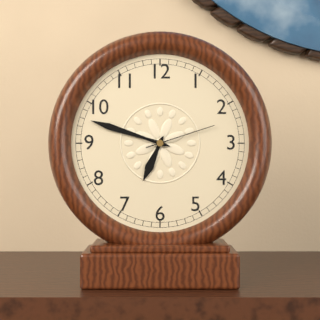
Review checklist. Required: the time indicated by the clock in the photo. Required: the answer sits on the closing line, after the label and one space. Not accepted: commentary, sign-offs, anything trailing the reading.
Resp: 6:48:12
